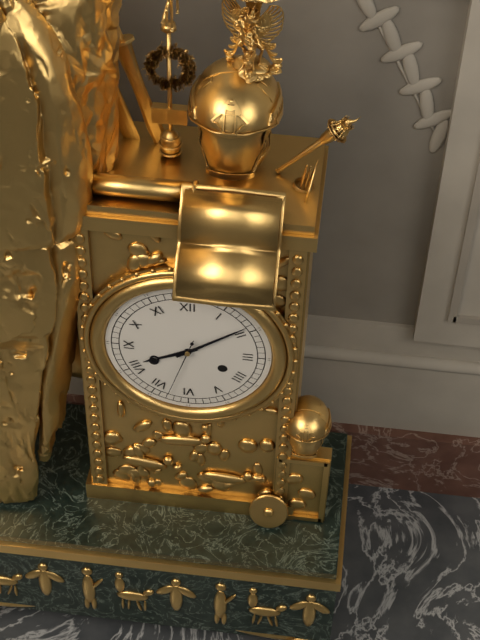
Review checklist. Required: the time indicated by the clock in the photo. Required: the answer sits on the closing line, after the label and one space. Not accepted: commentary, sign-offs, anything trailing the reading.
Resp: 8:09:33
